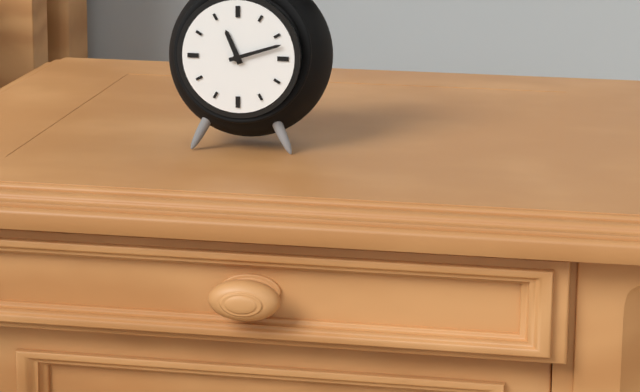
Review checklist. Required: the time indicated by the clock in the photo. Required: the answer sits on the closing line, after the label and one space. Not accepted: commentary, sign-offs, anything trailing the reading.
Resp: 11:12
